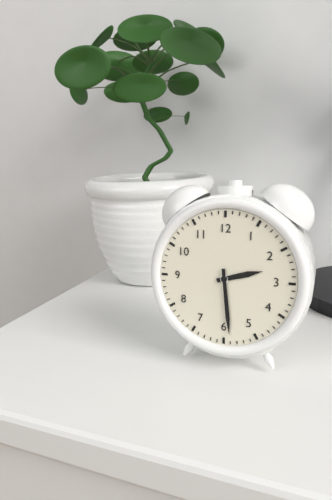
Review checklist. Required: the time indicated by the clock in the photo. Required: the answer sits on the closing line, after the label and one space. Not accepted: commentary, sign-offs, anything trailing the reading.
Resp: 2:29
